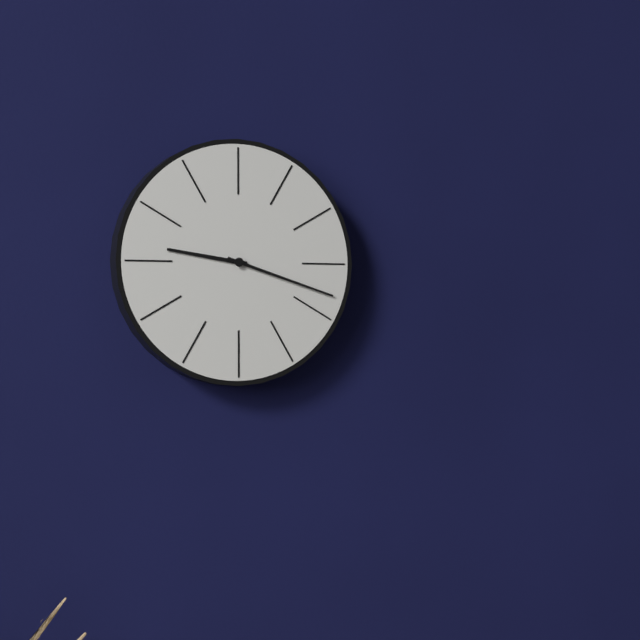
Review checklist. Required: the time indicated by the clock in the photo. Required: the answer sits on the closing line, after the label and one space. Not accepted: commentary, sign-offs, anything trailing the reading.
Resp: 9:18
